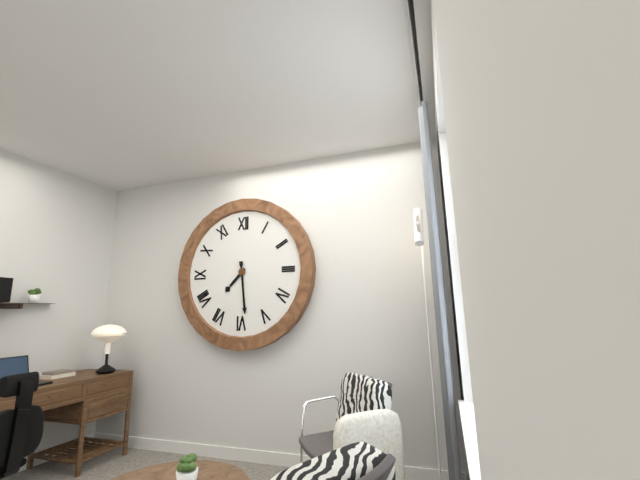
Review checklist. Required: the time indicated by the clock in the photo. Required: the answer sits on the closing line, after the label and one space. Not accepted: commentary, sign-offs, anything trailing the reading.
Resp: 7:29
